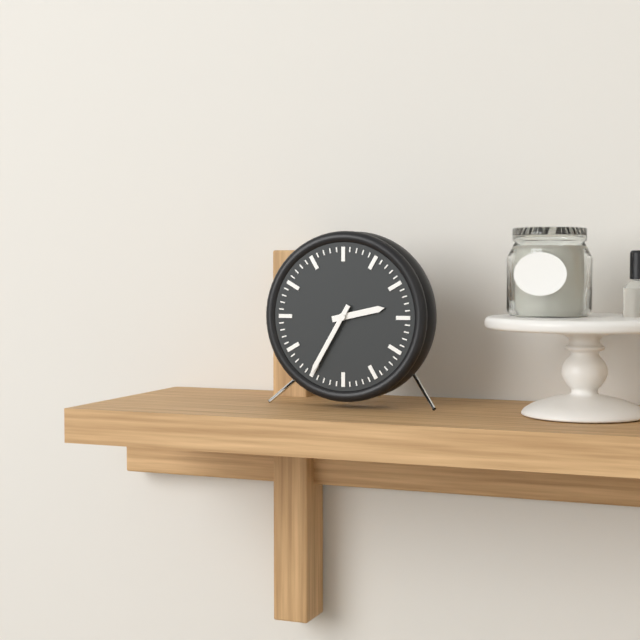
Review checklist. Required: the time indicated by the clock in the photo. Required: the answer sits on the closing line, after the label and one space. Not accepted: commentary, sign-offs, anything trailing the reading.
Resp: 2:35
